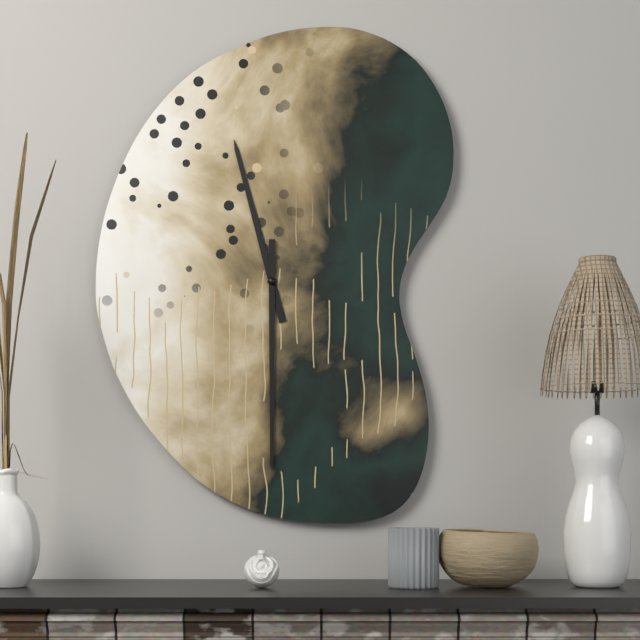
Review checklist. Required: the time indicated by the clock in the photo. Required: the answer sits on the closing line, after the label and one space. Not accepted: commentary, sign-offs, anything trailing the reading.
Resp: 11:30
